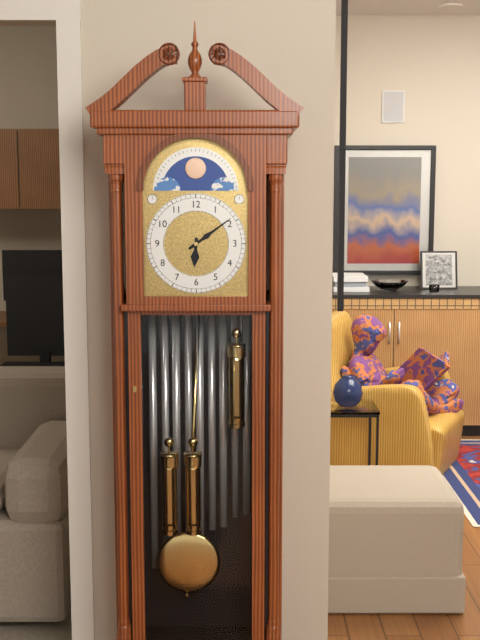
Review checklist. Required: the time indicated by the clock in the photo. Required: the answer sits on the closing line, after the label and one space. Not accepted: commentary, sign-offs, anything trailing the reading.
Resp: 6:09
